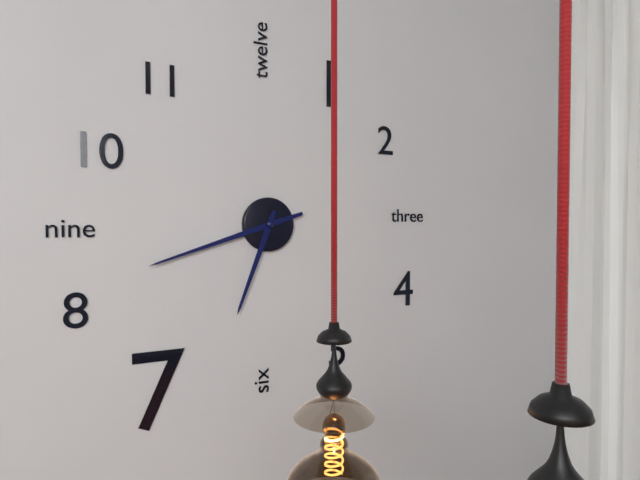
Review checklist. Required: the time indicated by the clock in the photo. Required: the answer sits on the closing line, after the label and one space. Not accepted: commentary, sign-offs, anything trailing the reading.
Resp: 6:42
